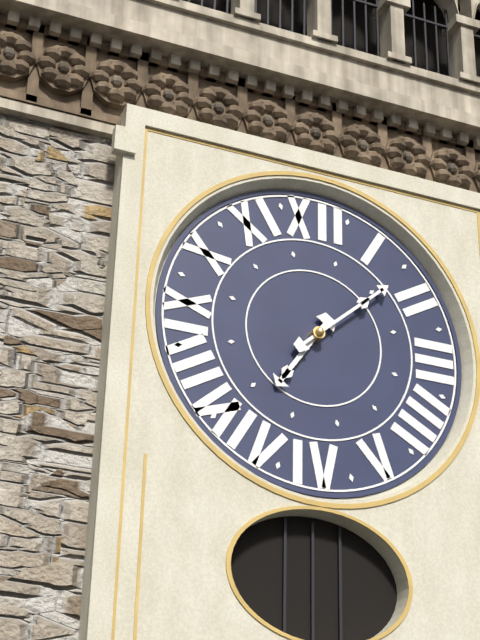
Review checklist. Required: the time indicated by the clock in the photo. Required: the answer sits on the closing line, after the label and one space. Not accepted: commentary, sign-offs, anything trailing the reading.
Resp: 7:08
